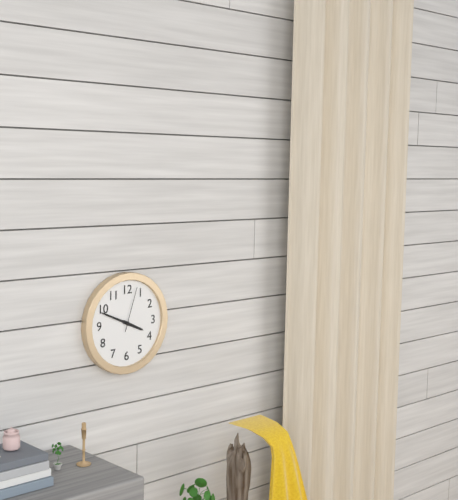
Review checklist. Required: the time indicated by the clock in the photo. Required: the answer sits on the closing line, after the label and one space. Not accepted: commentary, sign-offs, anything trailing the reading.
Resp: 3:49
